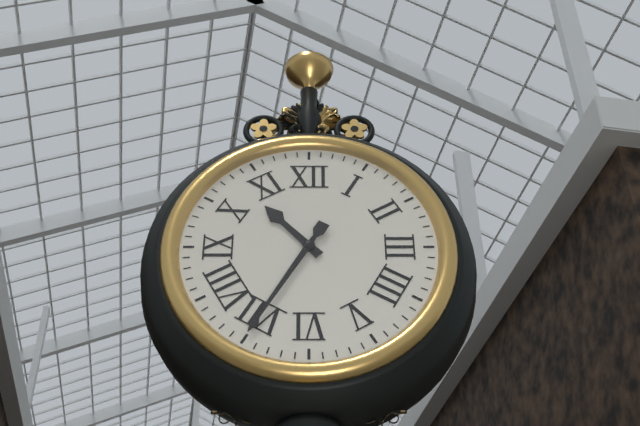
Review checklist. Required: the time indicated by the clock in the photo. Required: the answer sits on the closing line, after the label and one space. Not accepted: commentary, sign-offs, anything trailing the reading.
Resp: 10:35
